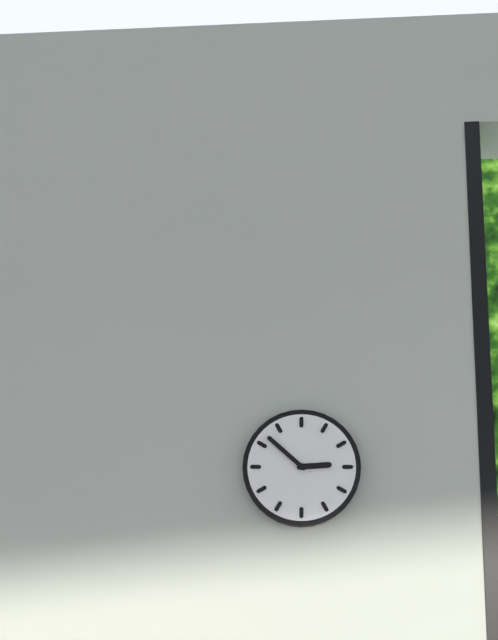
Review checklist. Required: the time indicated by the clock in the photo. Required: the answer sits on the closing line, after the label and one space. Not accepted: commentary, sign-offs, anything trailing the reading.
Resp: 2:52
